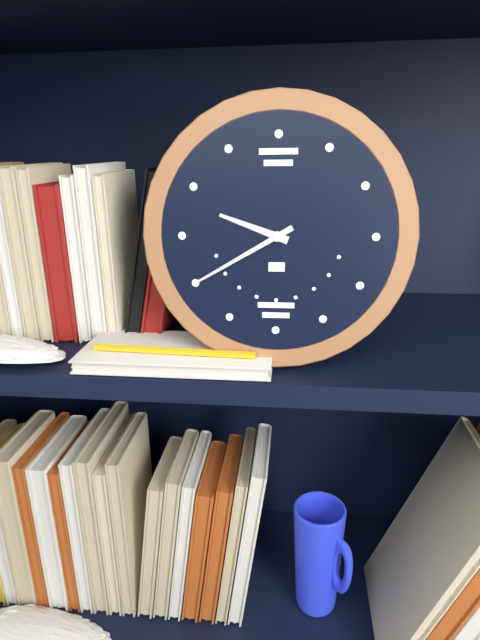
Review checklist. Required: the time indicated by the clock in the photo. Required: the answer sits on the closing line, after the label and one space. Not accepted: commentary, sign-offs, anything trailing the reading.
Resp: 9:40
